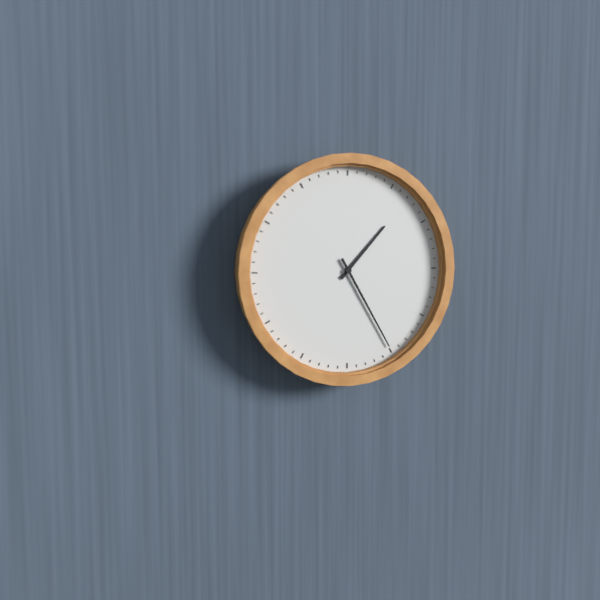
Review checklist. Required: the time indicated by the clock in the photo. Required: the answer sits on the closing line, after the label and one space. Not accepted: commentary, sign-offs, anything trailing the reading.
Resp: 1:25
